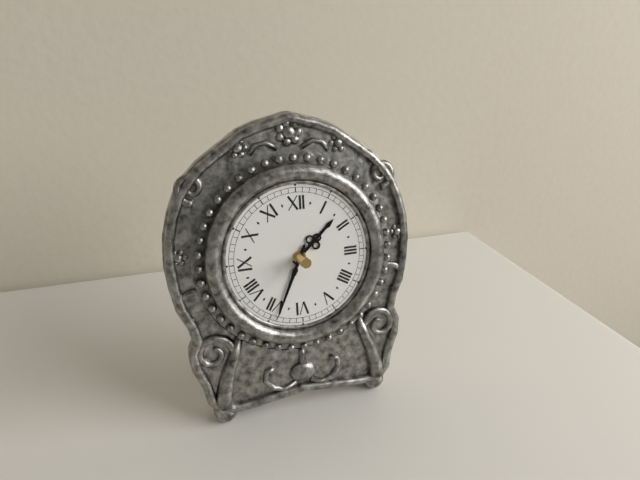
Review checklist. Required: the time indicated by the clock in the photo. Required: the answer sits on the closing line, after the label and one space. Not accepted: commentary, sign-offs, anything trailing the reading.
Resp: 1:34
